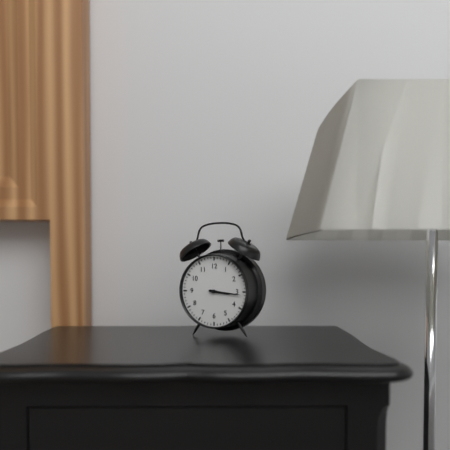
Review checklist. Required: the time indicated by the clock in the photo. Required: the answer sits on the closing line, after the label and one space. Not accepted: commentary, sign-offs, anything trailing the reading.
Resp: 3:16
